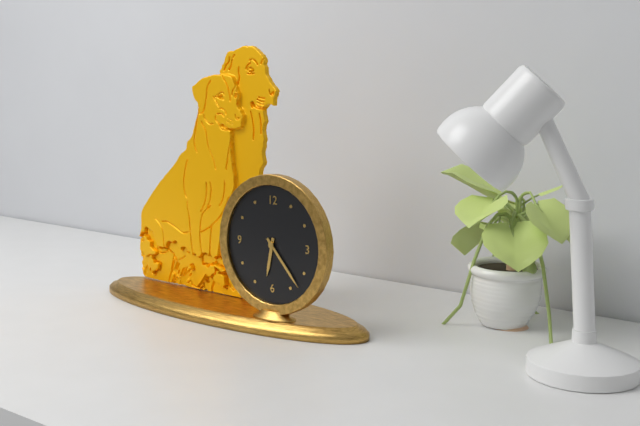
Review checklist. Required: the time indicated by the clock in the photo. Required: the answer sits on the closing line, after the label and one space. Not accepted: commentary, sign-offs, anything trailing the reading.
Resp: 6:23
